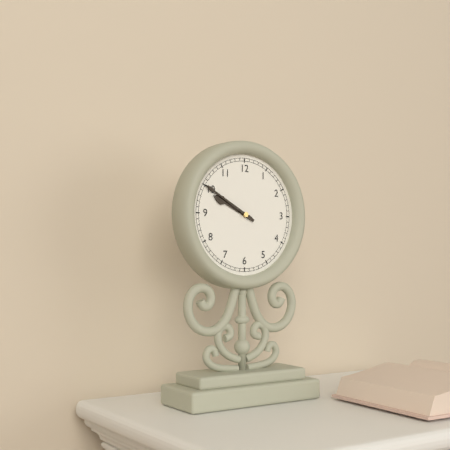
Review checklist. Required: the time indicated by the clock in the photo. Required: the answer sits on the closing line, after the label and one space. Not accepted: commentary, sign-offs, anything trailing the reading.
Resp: 9:50
